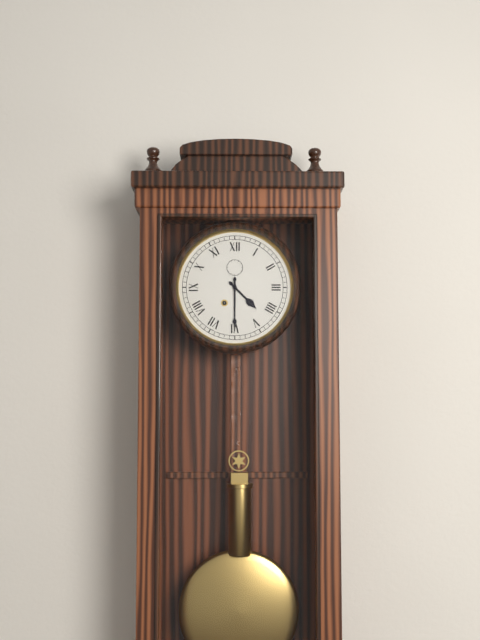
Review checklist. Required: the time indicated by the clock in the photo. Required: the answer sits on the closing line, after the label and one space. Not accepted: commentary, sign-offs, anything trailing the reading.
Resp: 4:30
